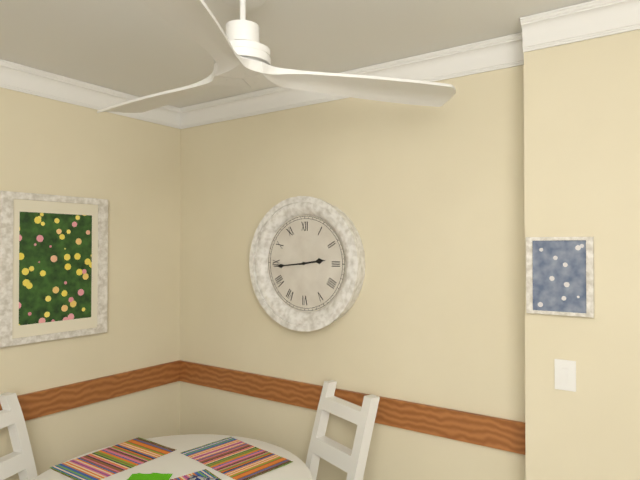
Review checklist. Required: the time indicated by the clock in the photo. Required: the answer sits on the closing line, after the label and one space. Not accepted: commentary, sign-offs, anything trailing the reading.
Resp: 2:44
